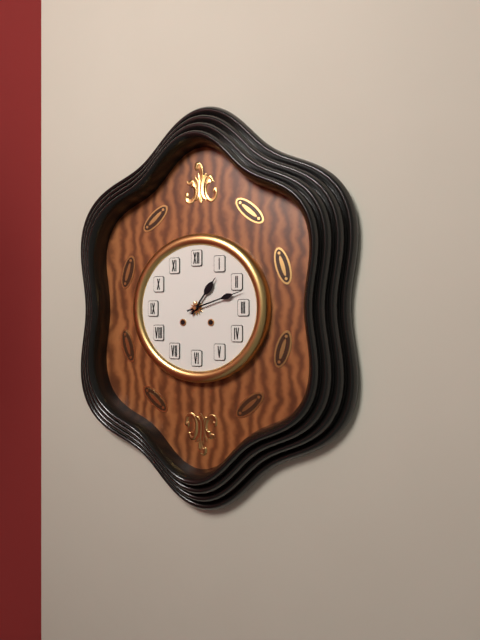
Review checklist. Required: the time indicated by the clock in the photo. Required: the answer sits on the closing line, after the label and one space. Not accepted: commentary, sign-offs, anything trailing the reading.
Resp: 1:12
